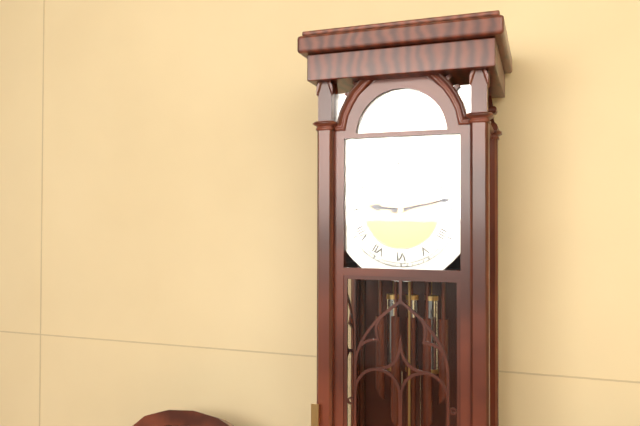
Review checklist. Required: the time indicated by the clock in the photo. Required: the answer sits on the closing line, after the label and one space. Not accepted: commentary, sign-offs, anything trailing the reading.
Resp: 9:13
